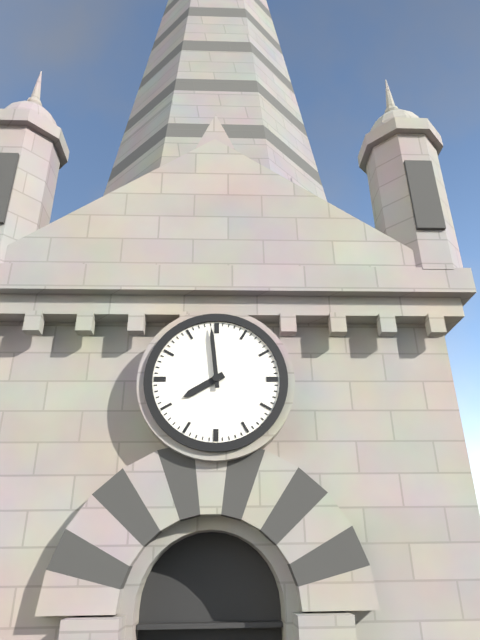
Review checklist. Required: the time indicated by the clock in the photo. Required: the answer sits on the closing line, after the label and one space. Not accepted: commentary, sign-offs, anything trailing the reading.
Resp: 7:59
